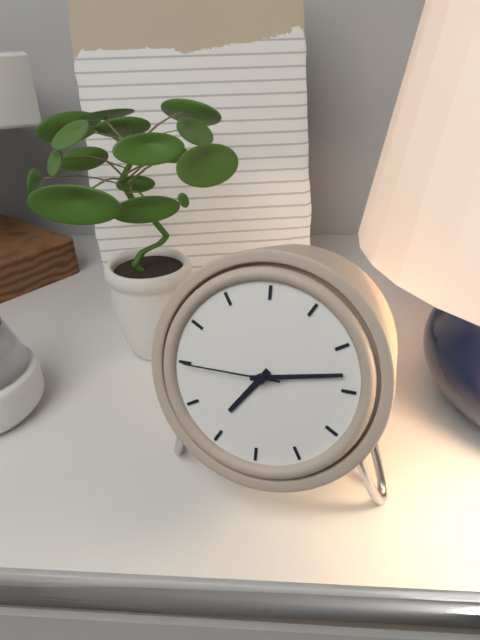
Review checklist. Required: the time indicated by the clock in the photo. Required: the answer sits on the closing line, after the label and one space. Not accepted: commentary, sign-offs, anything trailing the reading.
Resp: 7:13:45
